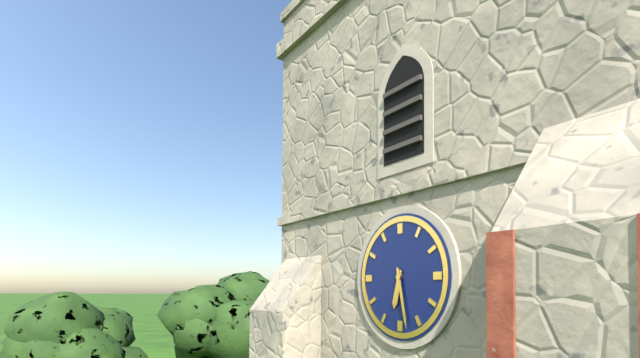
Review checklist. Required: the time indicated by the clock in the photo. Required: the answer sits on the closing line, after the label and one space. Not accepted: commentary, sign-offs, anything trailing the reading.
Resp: 6:28
